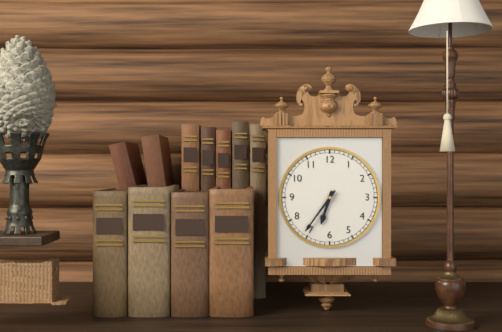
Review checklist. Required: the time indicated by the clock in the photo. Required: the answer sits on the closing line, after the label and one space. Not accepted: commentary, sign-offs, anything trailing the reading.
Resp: 6:36
